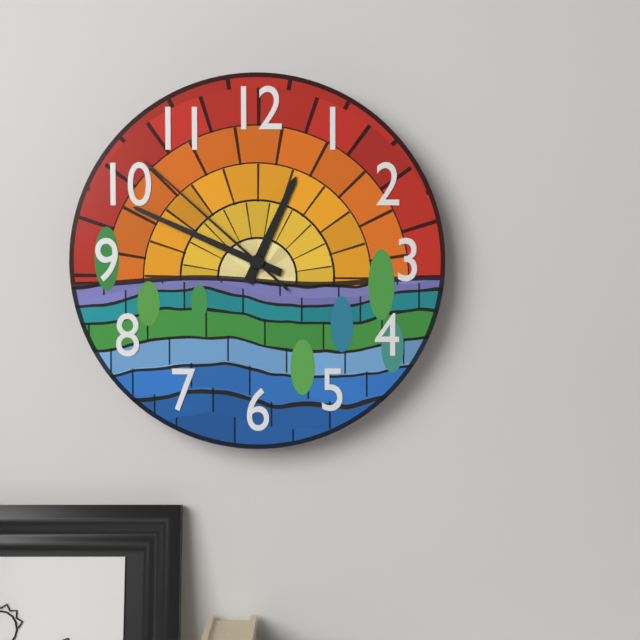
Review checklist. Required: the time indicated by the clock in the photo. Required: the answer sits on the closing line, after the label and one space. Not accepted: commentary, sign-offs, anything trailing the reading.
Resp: 12:49:52
